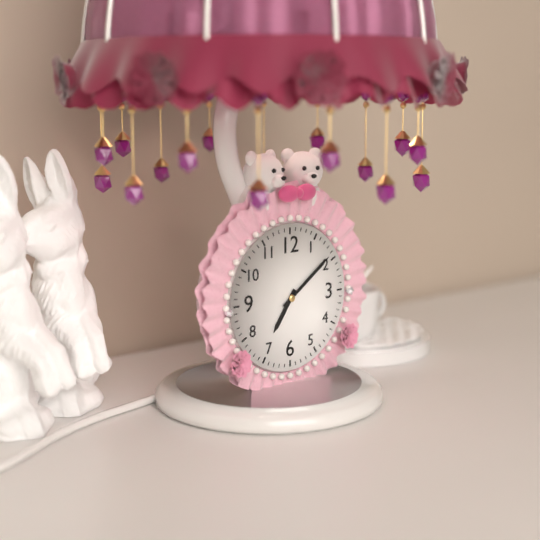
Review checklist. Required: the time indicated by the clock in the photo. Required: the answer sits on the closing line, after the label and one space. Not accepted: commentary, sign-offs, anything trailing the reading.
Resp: 7:09
